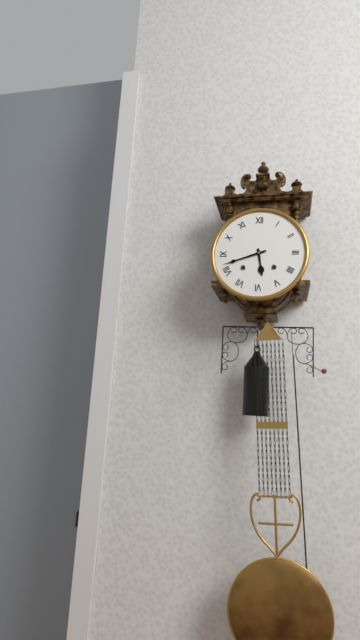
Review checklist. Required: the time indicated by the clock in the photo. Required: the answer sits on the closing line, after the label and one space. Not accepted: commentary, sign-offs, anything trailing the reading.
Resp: 5:42
